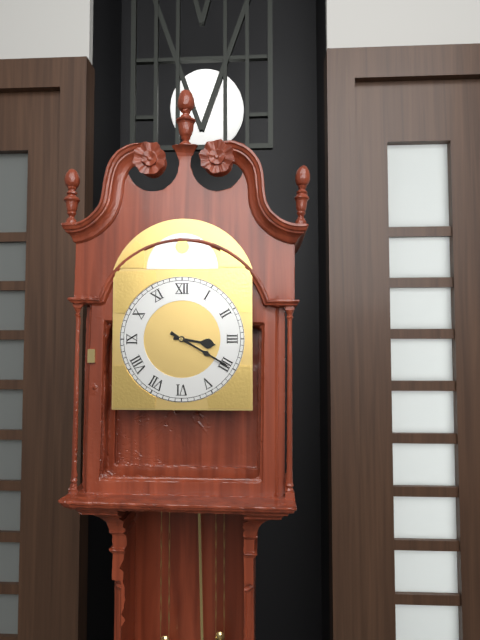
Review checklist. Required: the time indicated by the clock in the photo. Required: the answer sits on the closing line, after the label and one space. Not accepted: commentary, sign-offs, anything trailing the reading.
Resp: 3:20
